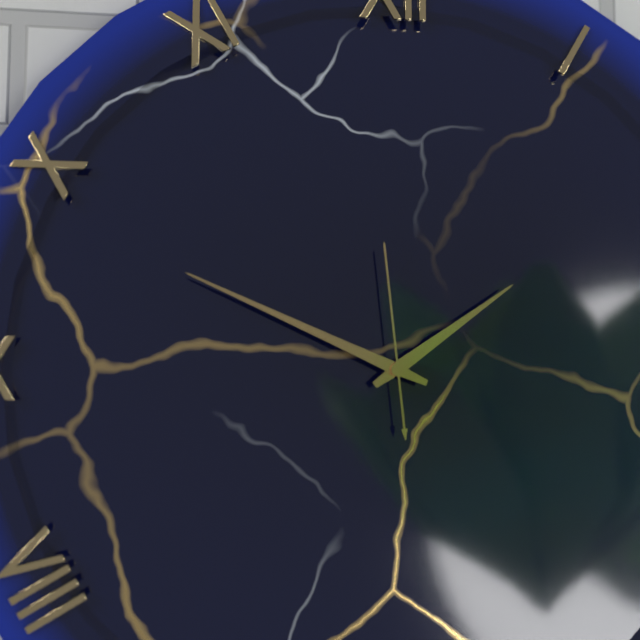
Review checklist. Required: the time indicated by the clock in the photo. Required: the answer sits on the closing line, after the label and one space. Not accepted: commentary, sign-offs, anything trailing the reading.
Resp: 1:49:59
